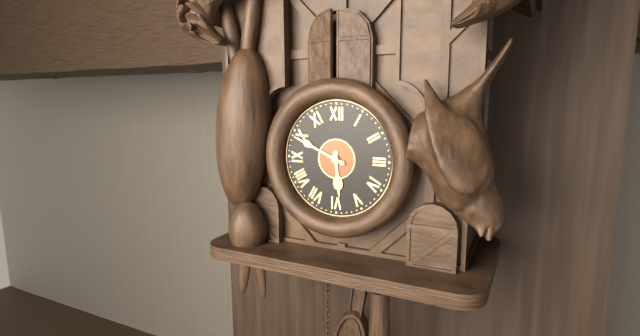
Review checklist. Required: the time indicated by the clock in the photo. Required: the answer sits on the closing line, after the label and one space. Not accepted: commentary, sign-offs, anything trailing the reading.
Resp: 5:49
